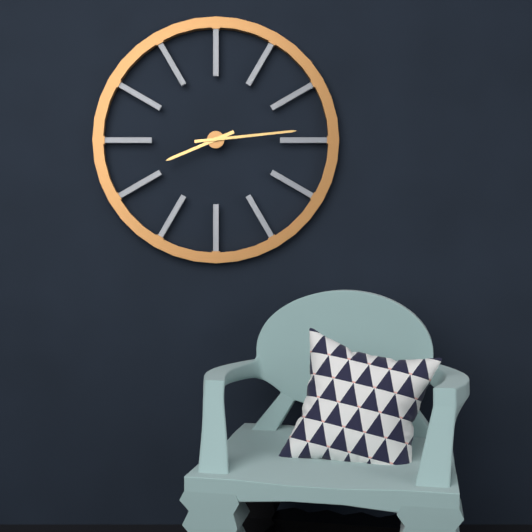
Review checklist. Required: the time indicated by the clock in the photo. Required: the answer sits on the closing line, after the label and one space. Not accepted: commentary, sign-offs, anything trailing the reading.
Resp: 8:14
